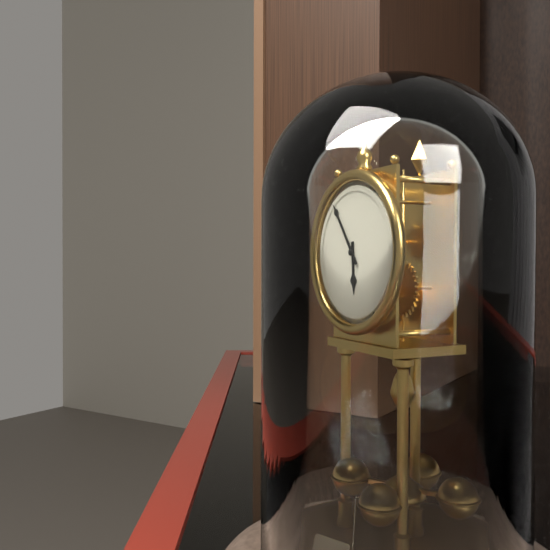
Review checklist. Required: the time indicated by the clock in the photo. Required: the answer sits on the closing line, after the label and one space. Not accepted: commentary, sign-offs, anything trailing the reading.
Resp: 5:54
